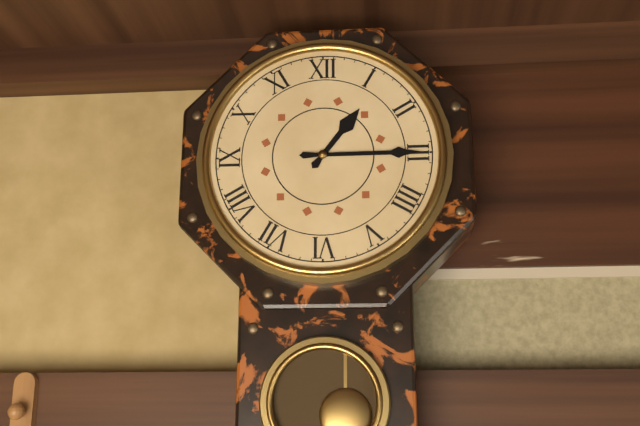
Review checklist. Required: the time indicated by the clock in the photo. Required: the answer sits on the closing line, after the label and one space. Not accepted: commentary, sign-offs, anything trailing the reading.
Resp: 1:15
